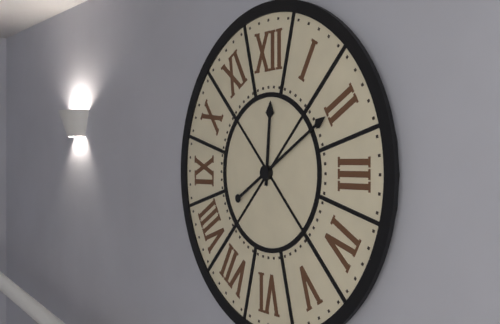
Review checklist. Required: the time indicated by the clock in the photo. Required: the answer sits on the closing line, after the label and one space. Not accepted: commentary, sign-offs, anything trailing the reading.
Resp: 12:10
